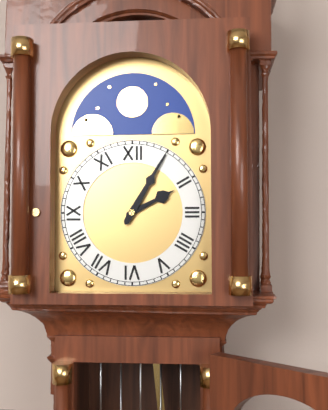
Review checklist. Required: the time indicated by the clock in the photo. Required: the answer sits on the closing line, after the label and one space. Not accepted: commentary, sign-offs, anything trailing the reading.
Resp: 2:05
